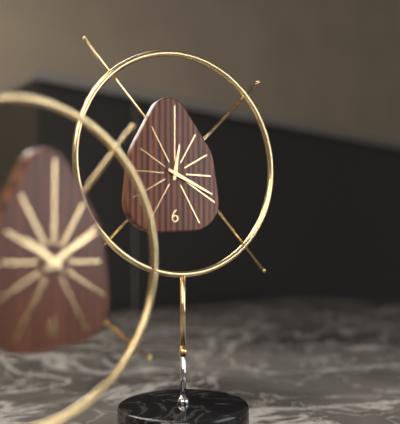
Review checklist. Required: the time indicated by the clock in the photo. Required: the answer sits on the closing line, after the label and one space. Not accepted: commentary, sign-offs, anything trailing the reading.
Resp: 12:19
